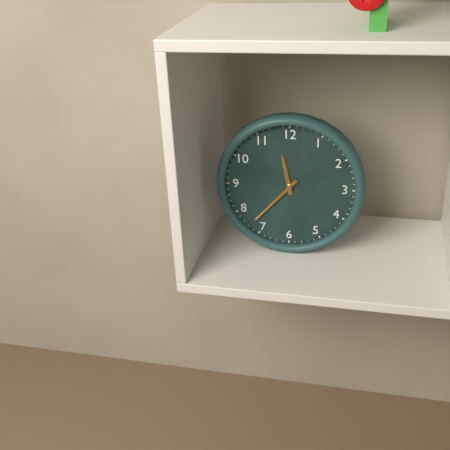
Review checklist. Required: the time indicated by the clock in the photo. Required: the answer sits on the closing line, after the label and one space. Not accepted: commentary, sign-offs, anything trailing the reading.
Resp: 11:37
